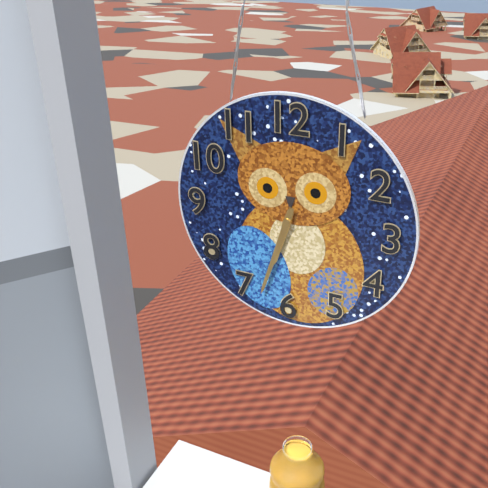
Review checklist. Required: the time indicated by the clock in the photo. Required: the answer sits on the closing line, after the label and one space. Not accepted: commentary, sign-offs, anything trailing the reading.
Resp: 6:33
